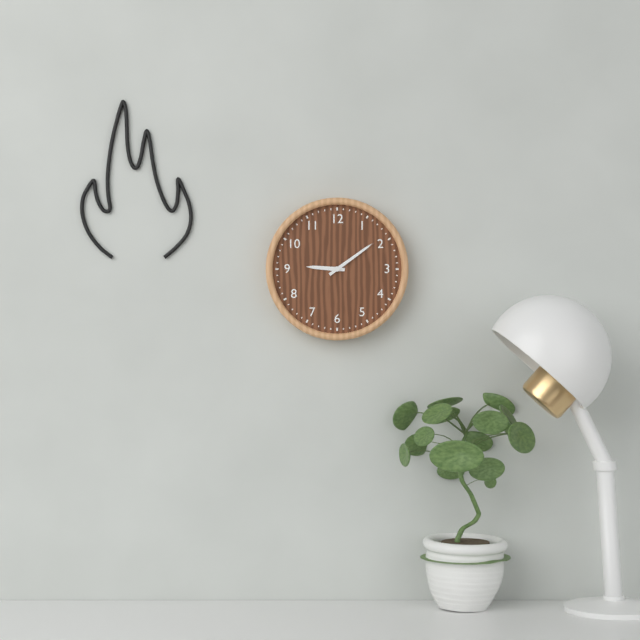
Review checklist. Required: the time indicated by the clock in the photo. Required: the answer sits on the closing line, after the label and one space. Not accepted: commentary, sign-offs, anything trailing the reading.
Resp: 9:09
